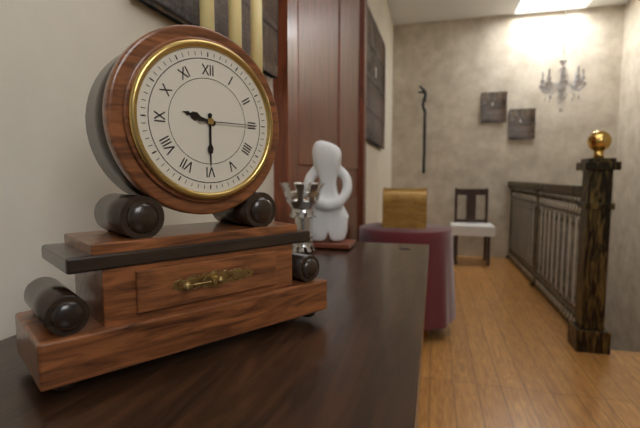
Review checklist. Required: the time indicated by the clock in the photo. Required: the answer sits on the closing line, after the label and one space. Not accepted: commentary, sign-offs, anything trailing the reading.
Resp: 9:30:15
